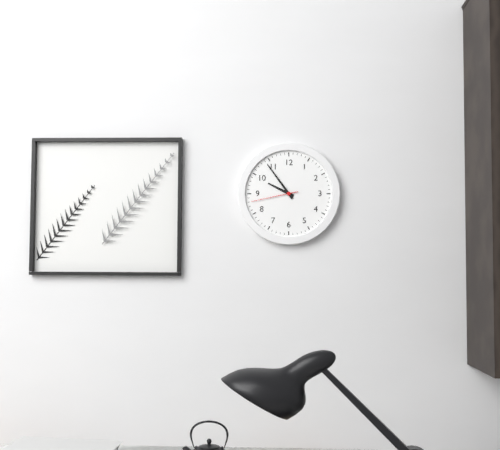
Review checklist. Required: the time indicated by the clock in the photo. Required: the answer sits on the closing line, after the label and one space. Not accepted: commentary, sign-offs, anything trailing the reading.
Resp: 9:54
